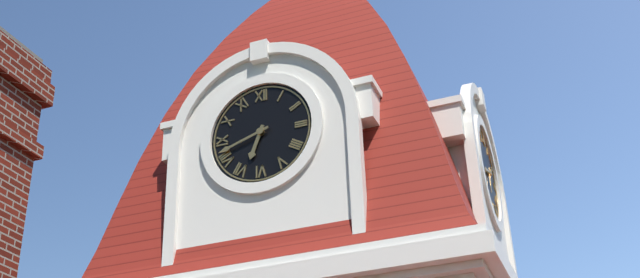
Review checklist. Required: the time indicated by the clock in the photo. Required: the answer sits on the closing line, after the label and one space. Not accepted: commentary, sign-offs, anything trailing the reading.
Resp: 6:42
